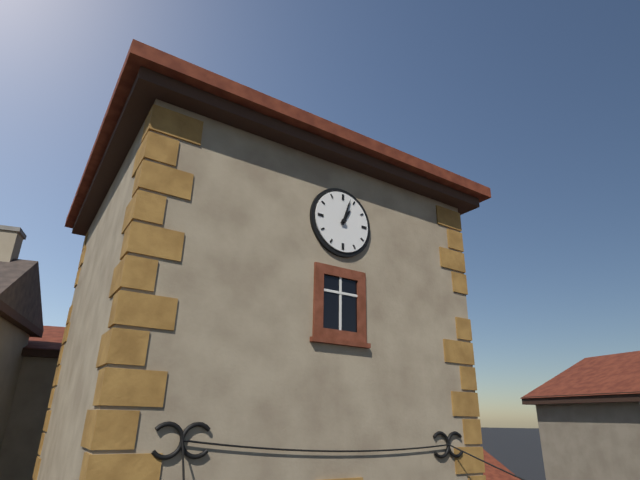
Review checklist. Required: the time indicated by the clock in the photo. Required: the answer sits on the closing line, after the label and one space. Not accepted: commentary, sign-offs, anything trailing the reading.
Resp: 1:03
